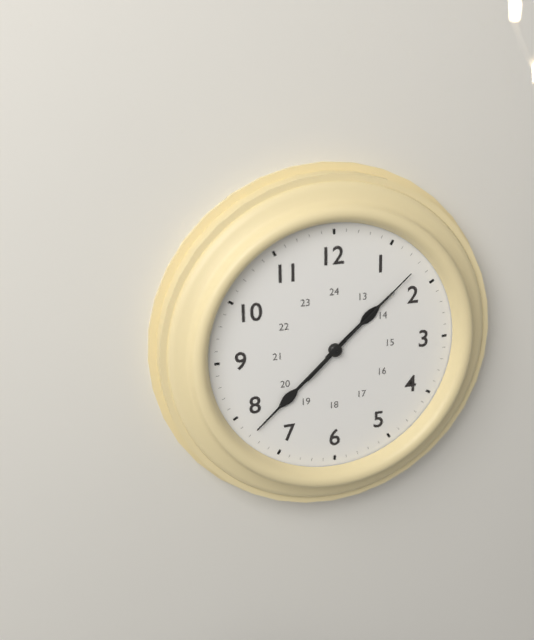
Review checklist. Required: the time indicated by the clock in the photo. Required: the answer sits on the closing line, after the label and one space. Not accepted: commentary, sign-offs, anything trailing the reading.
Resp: 1:38:08
